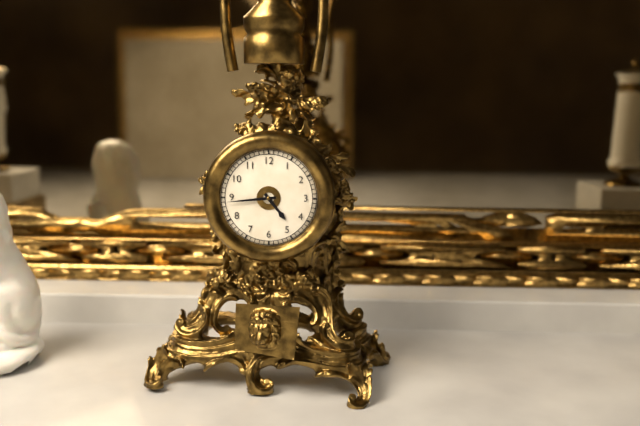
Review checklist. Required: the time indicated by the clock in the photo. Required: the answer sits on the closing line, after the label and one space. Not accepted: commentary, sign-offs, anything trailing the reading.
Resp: 4:44
